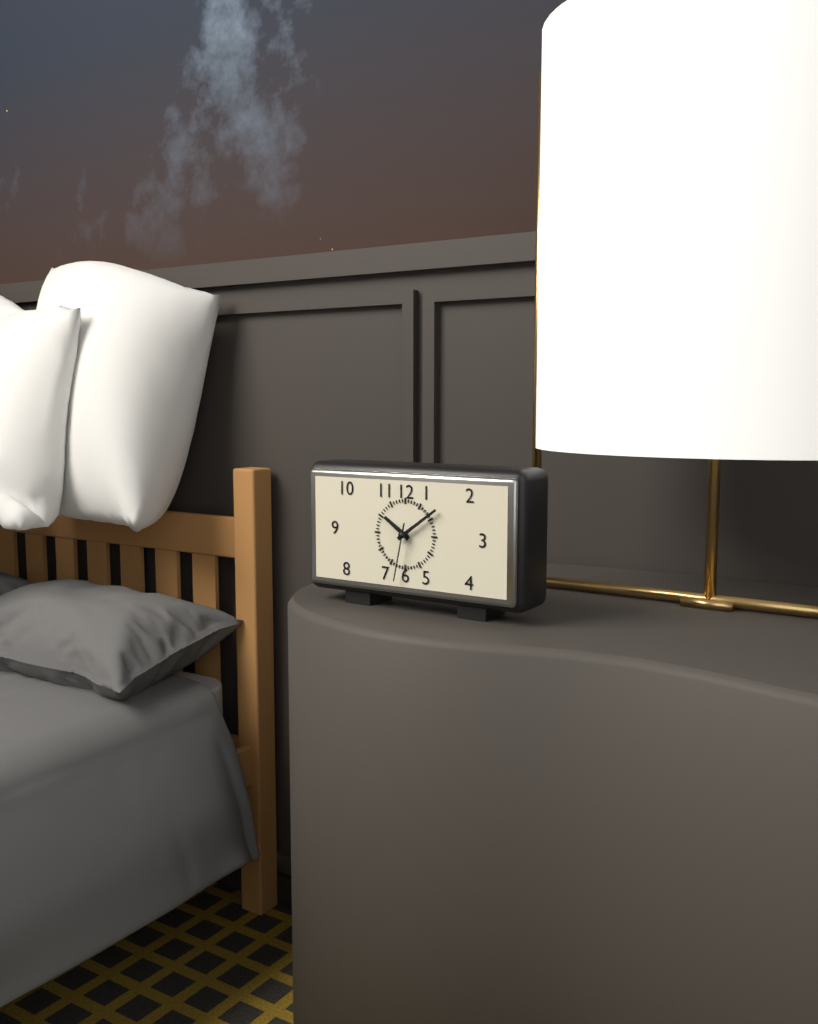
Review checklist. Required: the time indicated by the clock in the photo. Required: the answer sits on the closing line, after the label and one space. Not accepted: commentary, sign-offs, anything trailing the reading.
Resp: 10:09:32
